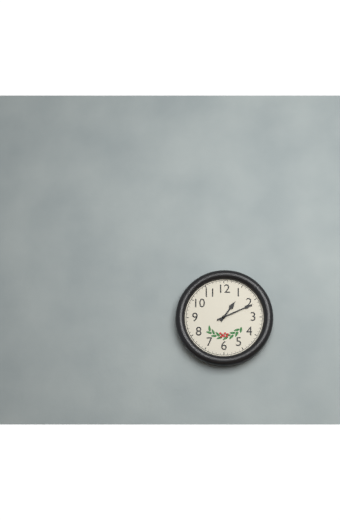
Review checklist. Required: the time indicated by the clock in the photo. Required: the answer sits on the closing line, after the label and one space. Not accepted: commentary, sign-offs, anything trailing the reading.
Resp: 1:11
